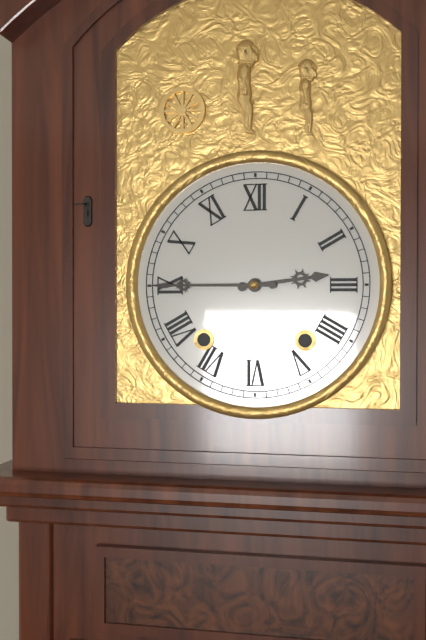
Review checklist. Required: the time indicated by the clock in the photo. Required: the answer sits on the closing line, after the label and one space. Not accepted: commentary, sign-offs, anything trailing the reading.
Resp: 2:45
